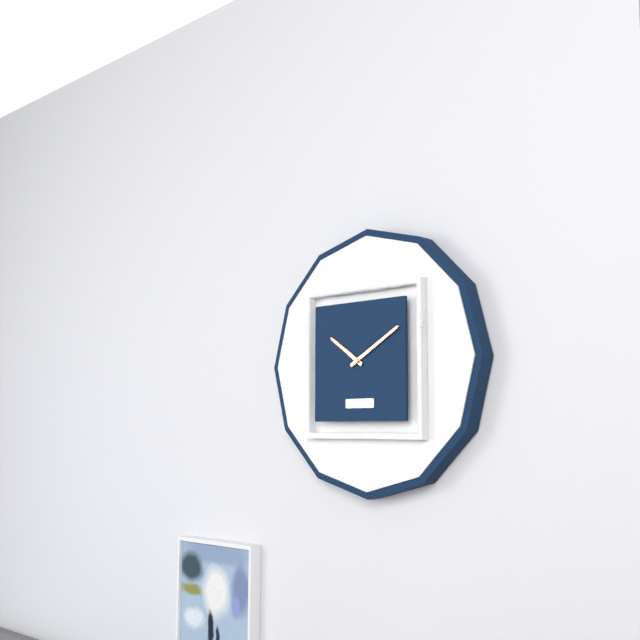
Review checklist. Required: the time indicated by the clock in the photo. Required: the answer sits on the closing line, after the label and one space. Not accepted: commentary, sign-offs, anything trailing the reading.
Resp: 10:10
